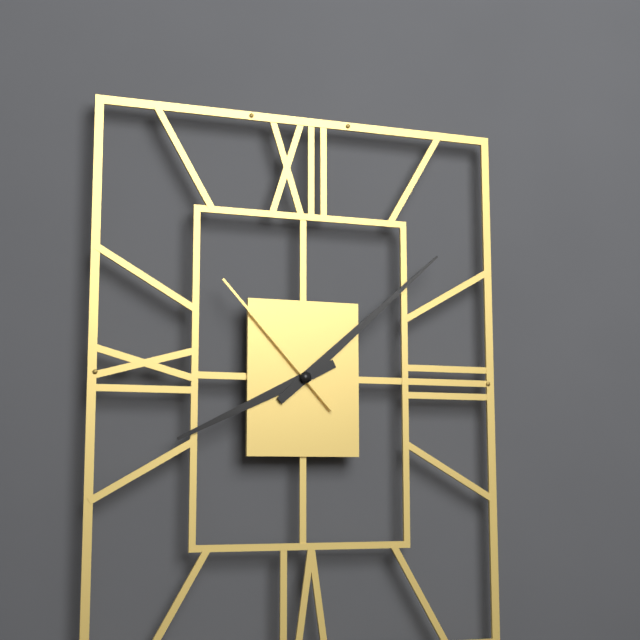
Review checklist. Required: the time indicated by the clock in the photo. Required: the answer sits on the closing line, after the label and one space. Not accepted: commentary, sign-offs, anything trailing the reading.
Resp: 8:08:53
